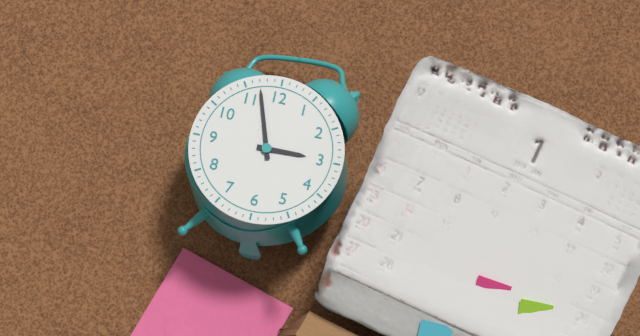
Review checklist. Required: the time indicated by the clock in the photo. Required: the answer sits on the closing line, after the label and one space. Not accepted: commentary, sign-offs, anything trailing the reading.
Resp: 2:57
